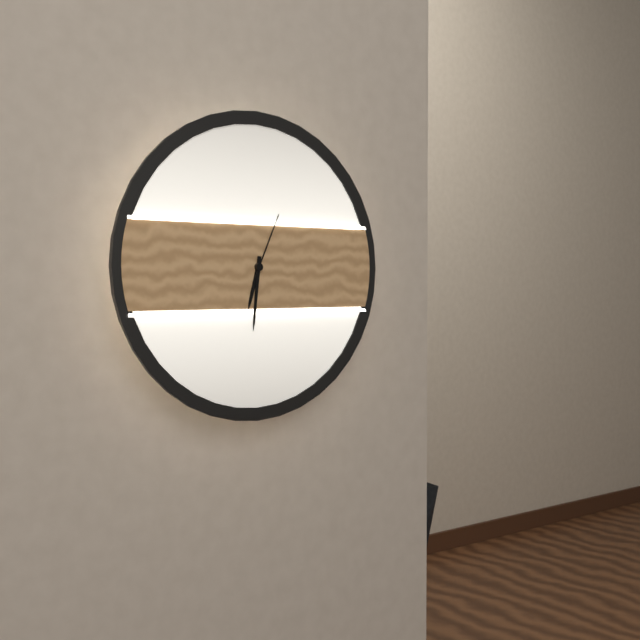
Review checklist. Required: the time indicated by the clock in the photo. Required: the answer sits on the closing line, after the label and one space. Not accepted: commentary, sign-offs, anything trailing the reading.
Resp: 6:31:04
